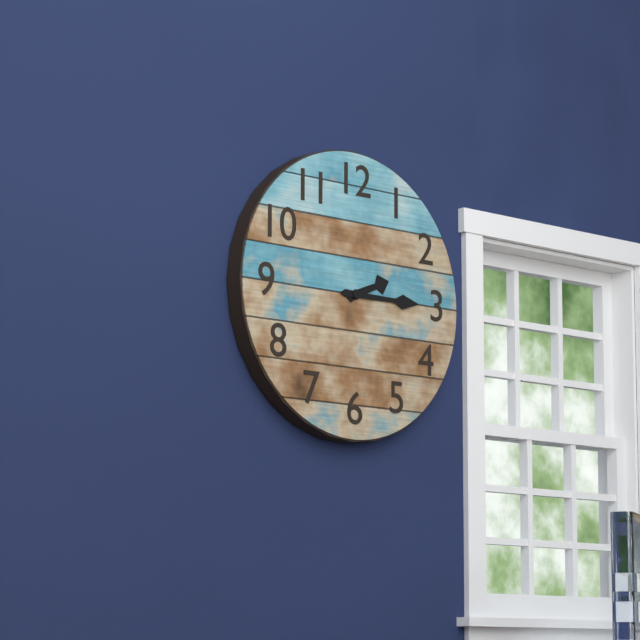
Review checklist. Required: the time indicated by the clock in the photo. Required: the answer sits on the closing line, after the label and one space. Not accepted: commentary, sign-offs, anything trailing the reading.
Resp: 2:15
